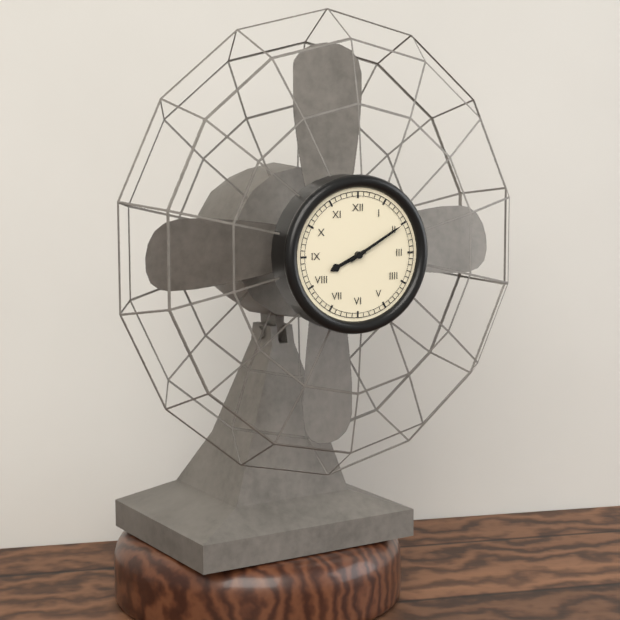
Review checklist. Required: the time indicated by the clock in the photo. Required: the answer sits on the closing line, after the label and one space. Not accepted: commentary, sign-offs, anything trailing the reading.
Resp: 8:10
